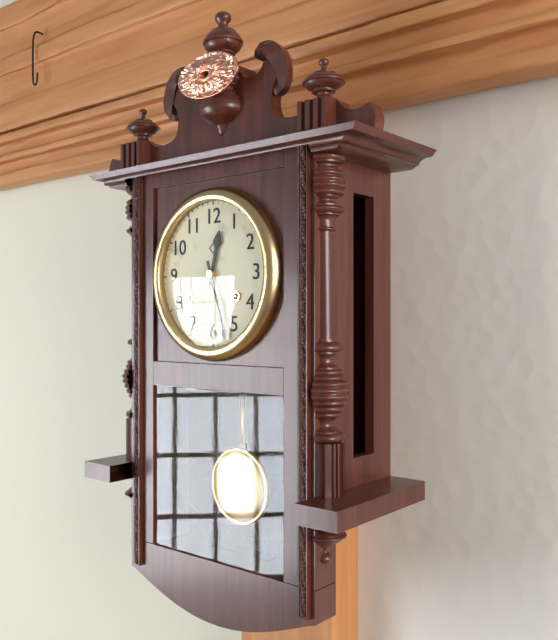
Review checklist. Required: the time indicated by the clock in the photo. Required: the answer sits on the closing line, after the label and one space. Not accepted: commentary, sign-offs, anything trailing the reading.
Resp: 12:27
